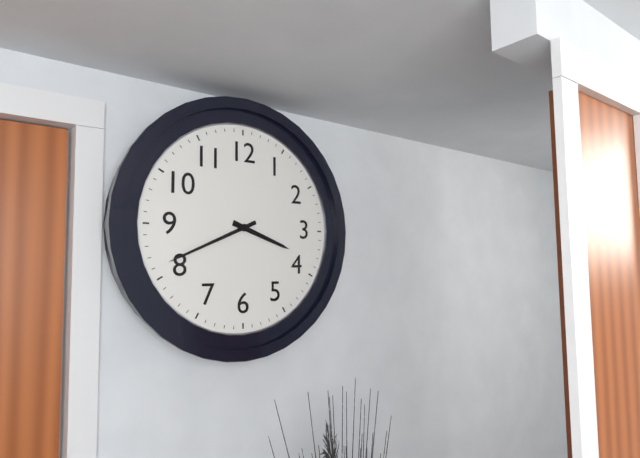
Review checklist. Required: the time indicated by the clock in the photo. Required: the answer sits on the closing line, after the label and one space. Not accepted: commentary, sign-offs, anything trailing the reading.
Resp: 3:41
